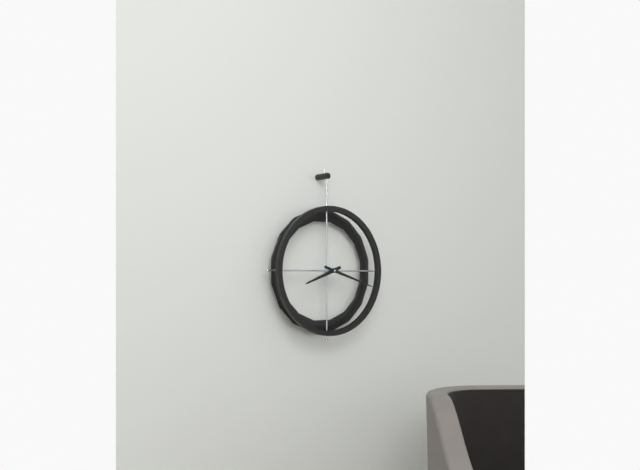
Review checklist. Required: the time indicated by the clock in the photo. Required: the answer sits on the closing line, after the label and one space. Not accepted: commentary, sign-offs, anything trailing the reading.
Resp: 8:18
